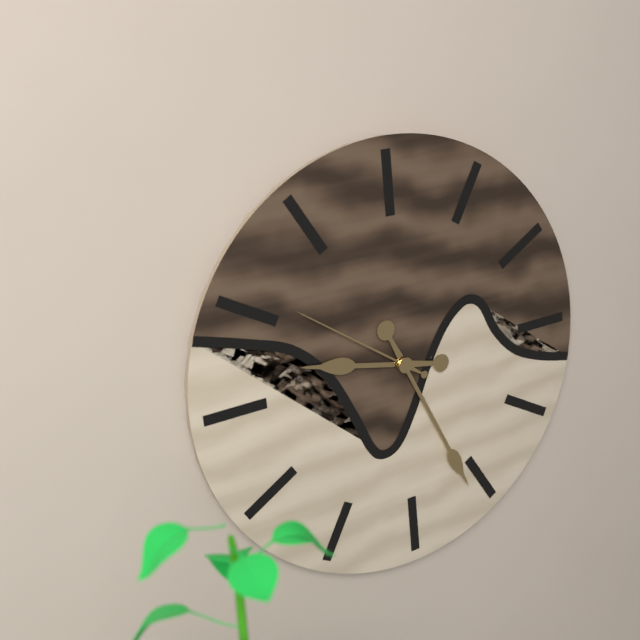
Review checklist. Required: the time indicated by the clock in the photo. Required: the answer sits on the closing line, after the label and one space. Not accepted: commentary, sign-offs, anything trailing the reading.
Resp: 9:26:51
